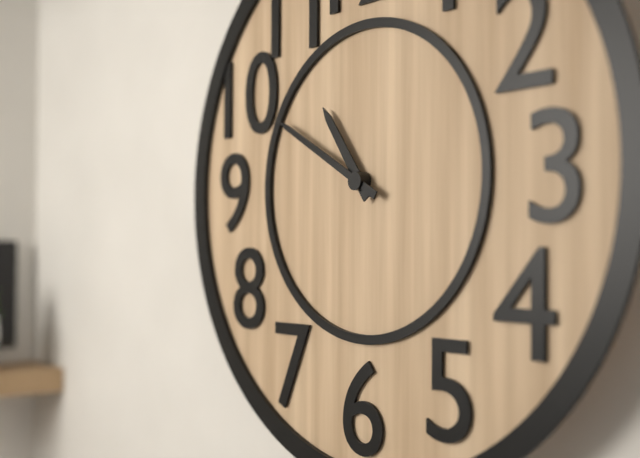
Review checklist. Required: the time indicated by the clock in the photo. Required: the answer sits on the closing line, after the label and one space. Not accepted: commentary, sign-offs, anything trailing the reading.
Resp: 10:50
